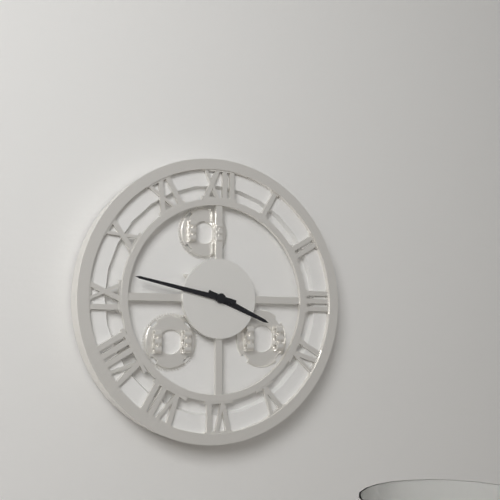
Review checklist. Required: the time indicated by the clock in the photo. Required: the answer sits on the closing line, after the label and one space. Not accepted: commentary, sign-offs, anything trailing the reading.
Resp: 3:47
